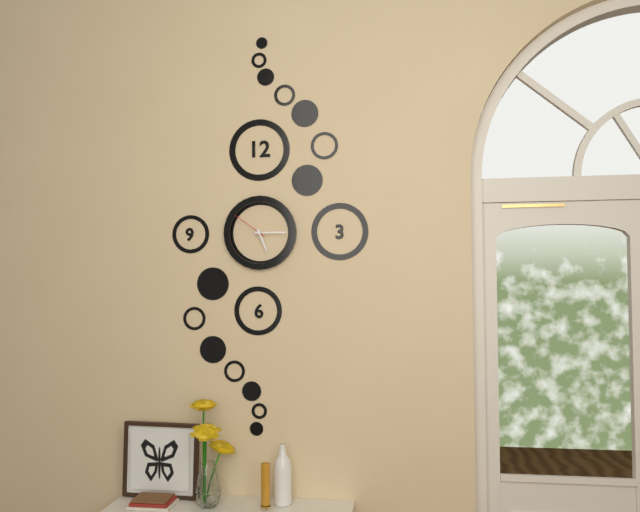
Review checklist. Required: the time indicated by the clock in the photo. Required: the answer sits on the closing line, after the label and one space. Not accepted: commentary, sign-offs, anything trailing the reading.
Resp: 5:15
